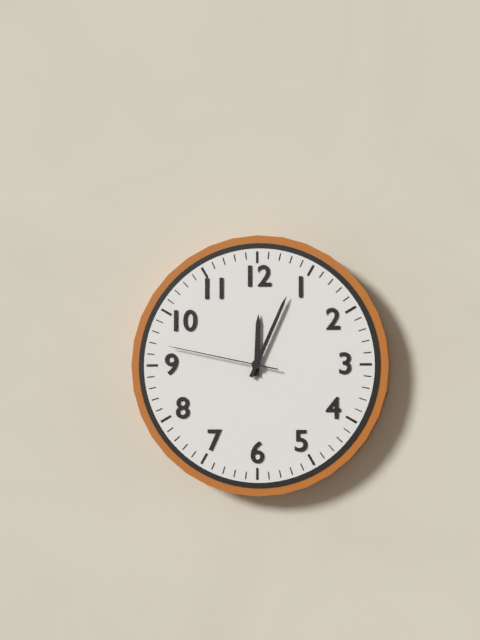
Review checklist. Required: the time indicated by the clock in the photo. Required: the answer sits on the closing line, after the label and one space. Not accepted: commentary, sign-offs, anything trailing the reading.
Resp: 12:04:47
